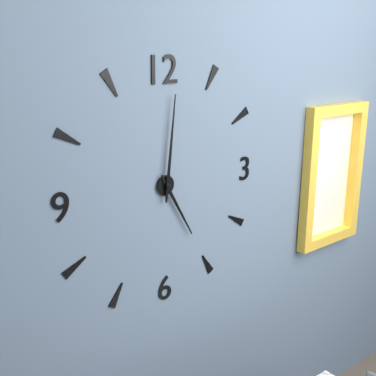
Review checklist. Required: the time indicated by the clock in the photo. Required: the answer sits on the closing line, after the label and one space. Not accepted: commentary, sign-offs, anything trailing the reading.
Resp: 5:01
